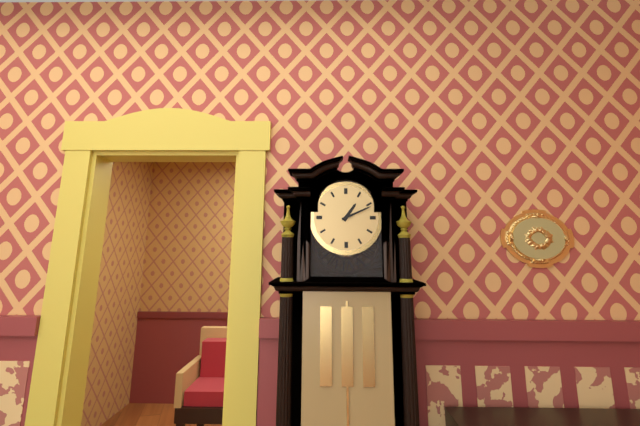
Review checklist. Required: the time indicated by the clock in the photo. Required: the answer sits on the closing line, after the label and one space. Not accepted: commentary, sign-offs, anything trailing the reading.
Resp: 1:11
